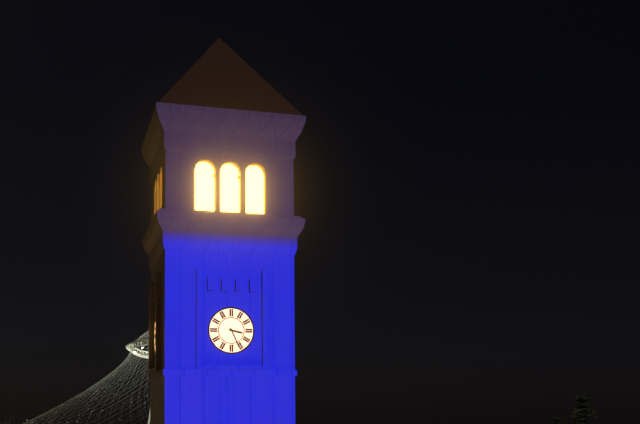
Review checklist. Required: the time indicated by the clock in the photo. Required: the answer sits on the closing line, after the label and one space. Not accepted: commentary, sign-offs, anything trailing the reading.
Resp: 3:26
